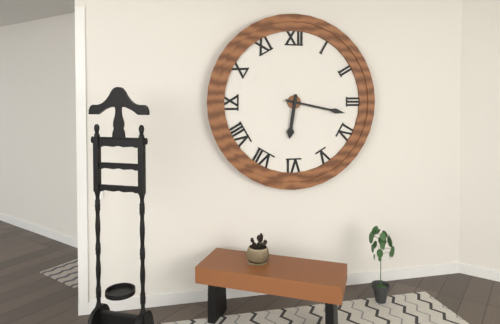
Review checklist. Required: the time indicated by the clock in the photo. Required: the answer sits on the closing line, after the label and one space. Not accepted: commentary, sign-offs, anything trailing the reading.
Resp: 6:17
